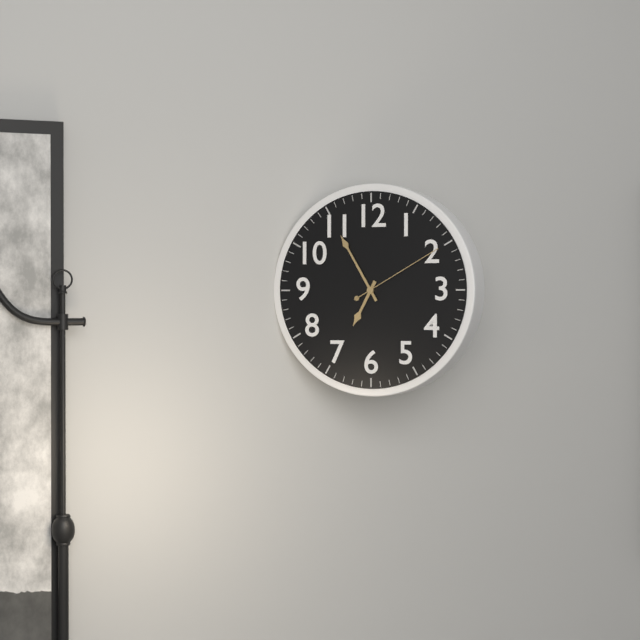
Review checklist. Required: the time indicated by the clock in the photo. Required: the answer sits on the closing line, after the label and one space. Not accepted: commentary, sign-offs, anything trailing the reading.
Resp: 6:55:10
